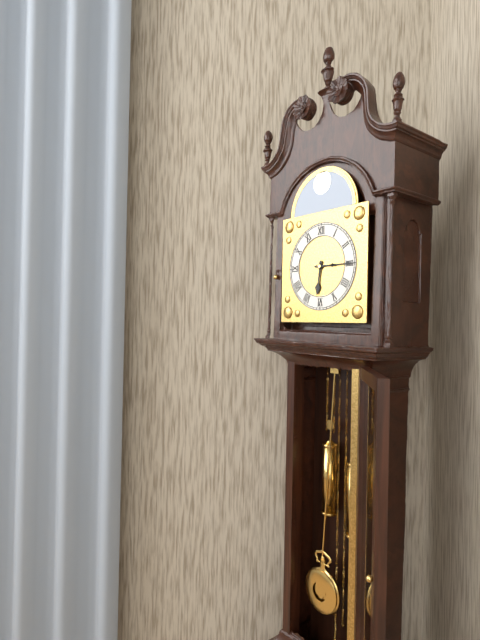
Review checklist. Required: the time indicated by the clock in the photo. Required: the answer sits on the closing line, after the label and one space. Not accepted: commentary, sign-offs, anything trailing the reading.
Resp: 6:15
